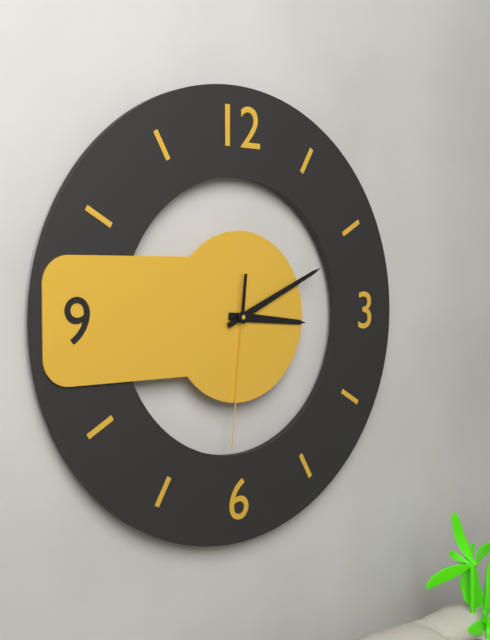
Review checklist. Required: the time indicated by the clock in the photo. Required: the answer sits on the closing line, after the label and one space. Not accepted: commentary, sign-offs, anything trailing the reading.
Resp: 3:11:31
